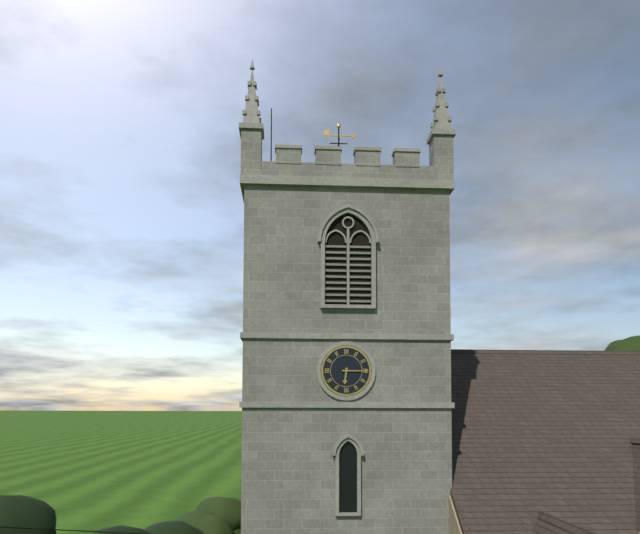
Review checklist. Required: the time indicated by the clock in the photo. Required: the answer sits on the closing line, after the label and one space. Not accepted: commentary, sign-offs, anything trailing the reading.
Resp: 6:15
